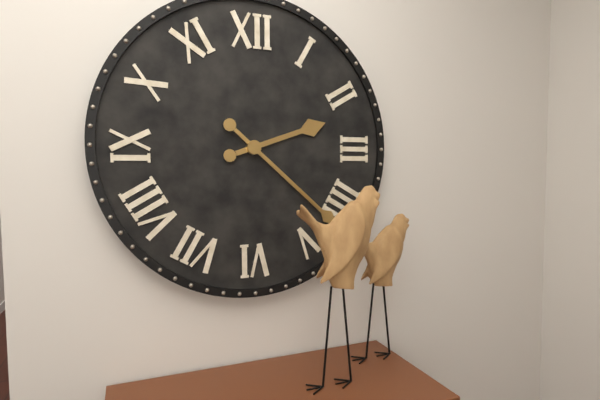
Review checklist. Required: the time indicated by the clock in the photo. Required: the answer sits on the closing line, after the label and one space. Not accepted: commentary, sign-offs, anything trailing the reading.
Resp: 2:22
